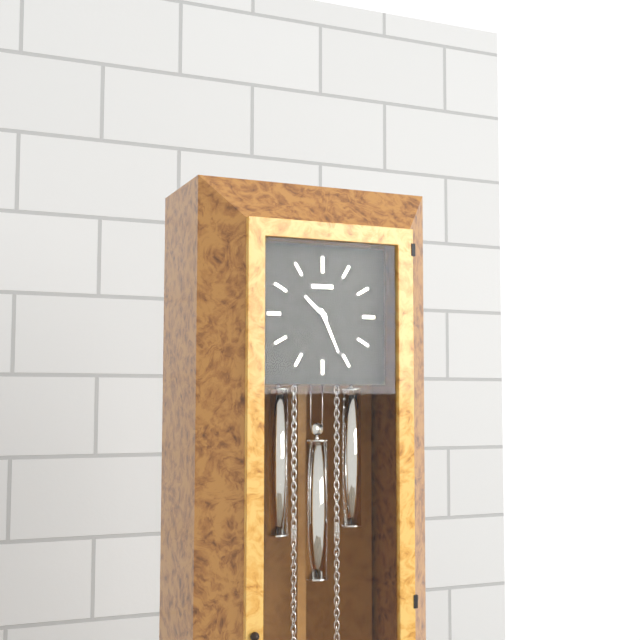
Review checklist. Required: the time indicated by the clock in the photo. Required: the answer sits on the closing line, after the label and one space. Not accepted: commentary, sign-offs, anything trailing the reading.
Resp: 10:26
